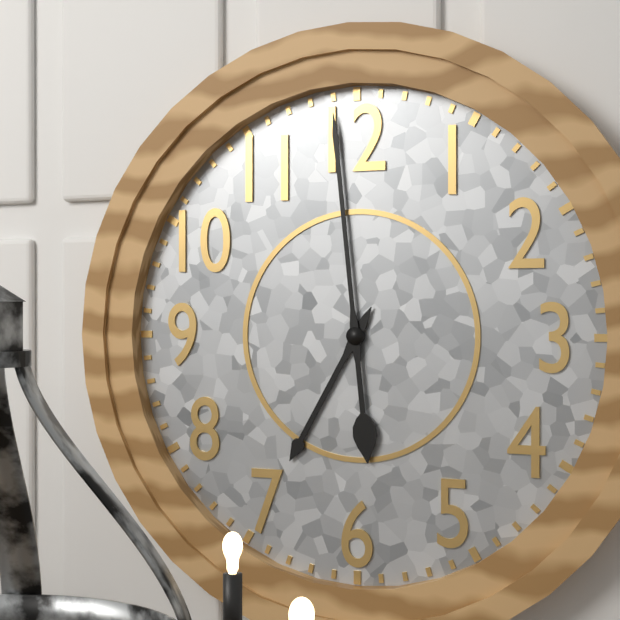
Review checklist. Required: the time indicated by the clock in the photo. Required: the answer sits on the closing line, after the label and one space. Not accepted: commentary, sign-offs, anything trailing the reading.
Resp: 6:59
